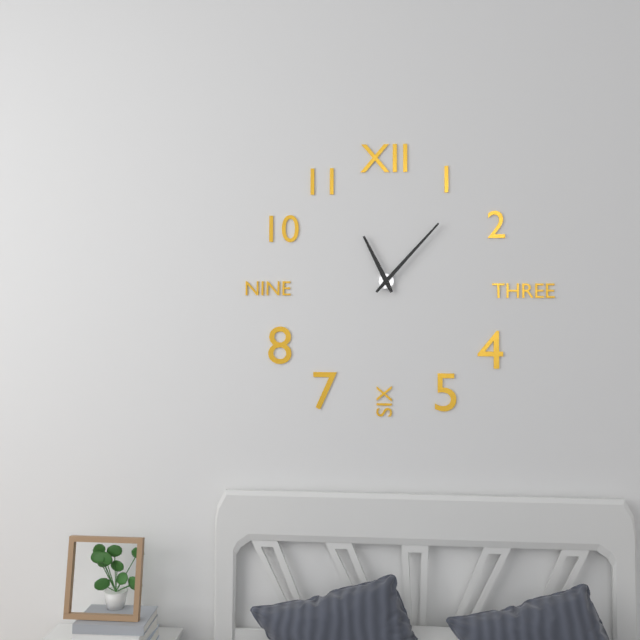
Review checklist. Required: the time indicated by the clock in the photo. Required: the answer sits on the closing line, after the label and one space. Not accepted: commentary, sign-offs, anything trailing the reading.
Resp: 11:07
